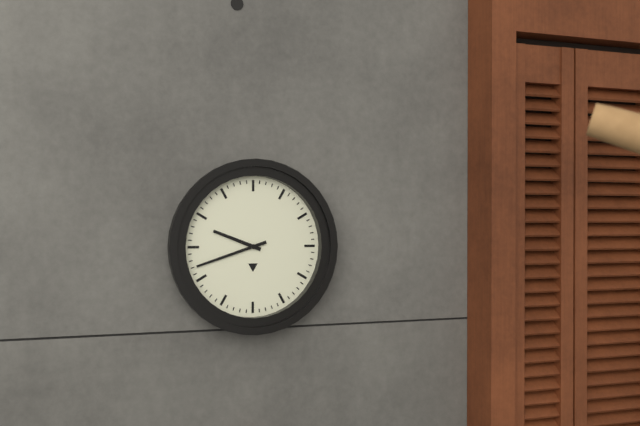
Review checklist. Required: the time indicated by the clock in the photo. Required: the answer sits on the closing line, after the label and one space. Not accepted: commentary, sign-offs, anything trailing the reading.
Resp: 9:42
